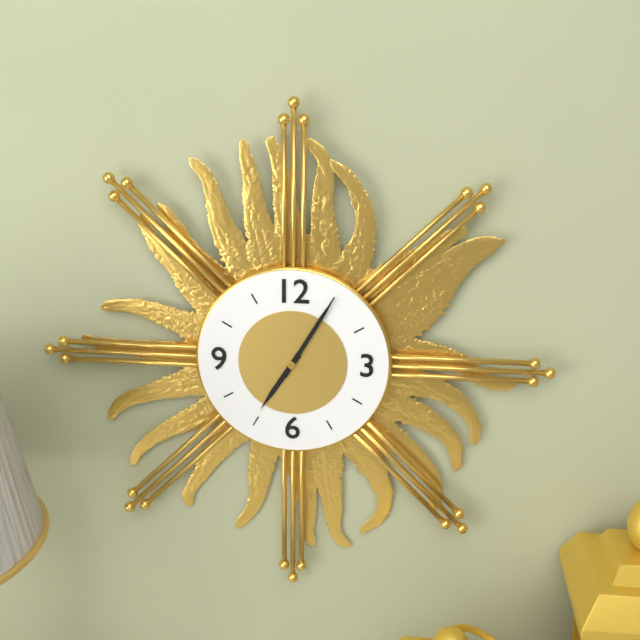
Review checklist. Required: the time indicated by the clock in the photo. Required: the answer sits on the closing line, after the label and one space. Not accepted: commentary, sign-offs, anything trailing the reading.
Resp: 7:05
